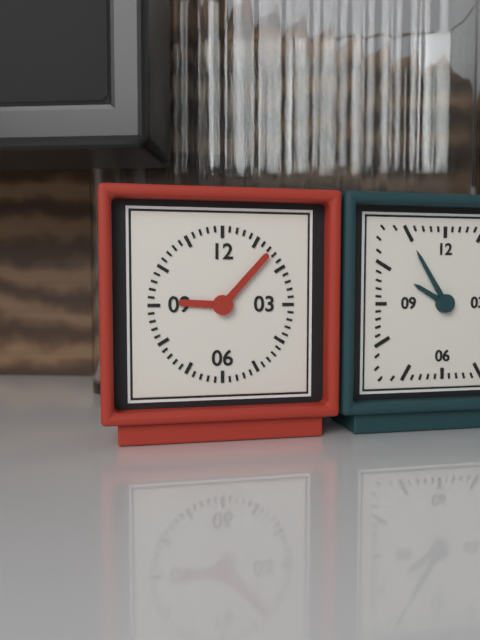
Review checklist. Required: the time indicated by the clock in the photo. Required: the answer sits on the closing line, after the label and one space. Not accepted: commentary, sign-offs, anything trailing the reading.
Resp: 9:07
